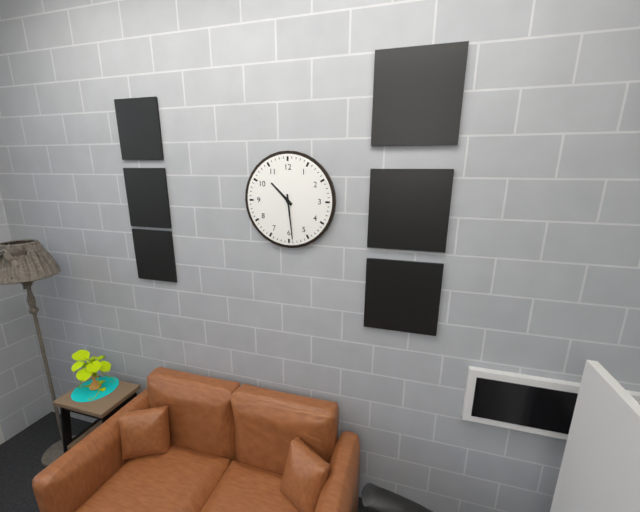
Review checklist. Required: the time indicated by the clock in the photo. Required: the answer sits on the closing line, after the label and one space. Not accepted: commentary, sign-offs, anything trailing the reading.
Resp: 10:29
